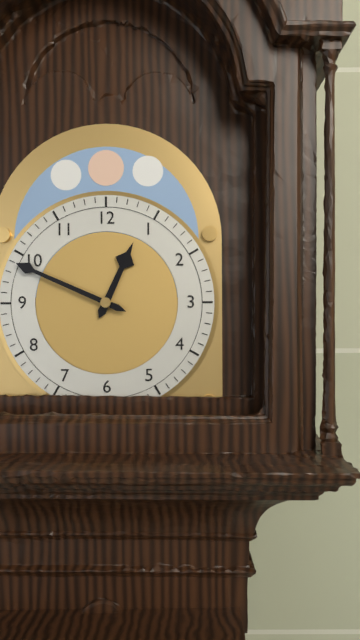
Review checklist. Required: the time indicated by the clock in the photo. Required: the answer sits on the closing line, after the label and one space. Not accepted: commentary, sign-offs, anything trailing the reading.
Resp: 12:49
